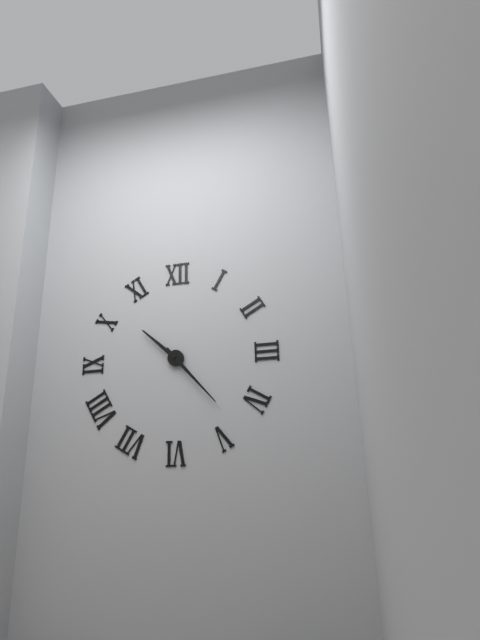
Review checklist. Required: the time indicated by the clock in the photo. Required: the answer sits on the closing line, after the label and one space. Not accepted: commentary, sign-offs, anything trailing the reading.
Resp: 10:23
